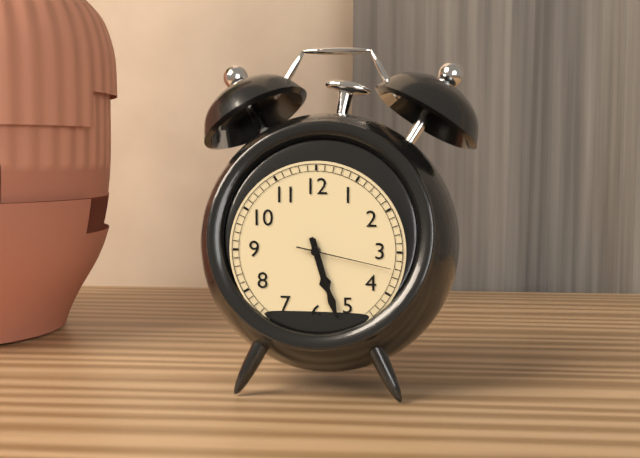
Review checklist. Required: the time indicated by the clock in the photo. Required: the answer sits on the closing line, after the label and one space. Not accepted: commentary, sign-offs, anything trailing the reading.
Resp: 5:27:17
